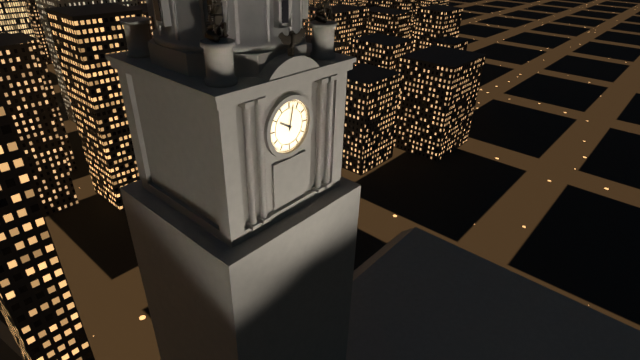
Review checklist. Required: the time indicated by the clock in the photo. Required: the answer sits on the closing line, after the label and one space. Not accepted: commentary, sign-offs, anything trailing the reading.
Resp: 10:02
